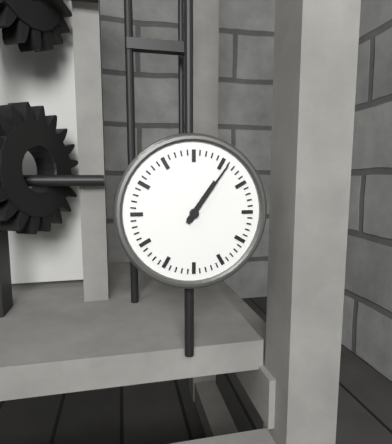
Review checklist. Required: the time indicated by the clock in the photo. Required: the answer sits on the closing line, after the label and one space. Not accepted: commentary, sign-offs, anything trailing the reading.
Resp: 1:06
